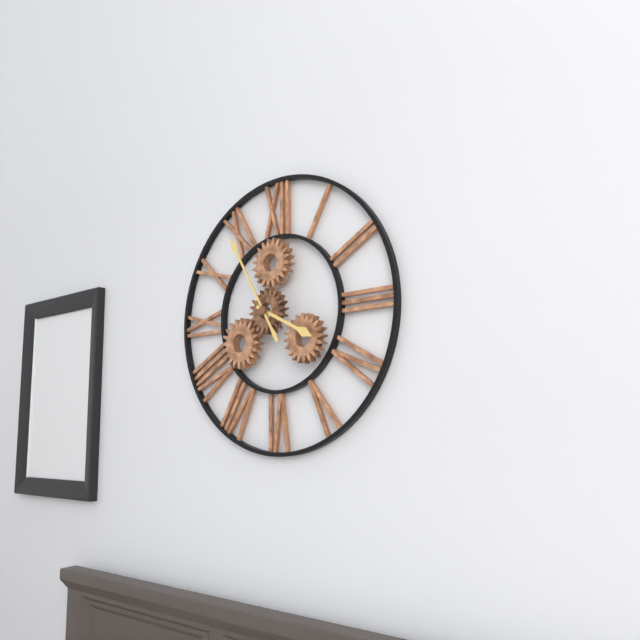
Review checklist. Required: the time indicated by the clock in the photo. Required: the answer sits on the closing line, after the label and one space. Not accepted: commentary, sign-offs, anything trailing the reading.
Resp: 3:55
